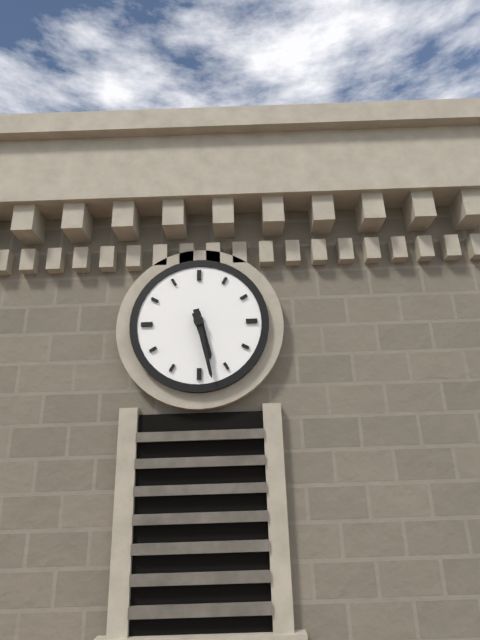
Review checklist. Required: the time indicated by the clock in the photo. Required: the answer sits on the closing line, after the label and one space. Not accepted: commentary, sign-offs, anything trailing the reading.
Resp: 5:28
